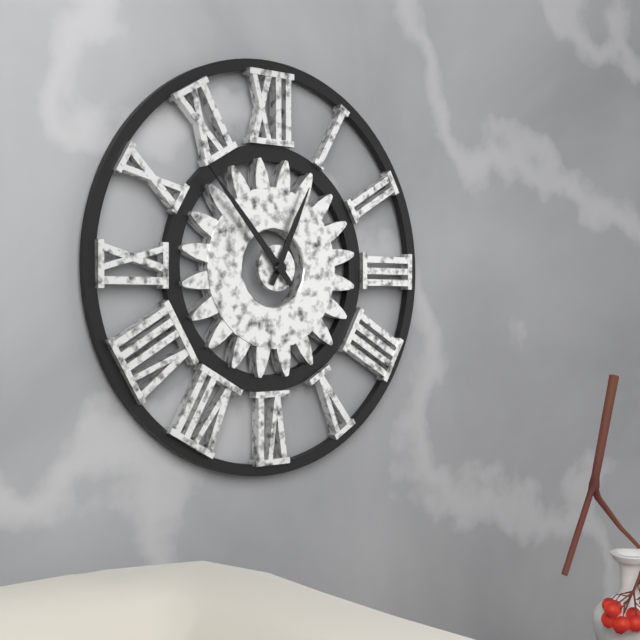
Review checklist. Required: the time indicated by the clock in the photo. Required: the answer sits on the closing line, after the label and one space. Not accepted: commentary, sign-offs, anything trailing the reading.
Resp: 12:53
